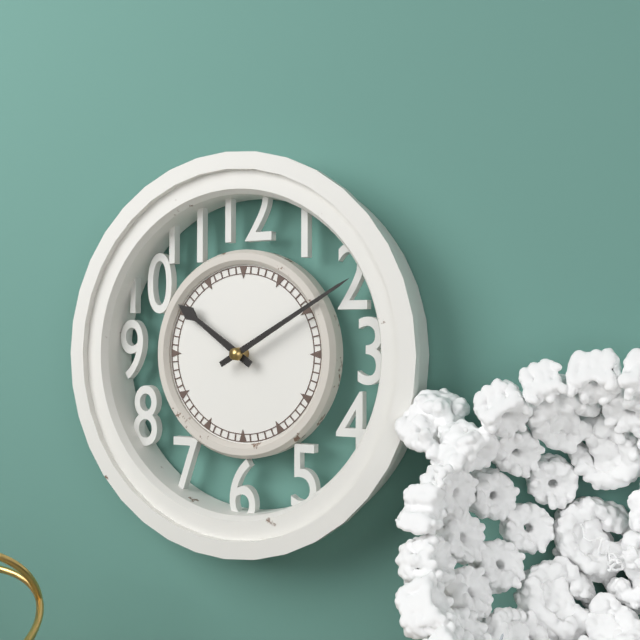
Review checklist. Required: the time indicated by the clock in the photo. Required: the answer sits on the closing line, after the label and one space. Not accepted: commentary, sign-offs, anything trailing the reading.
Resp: 10:10
